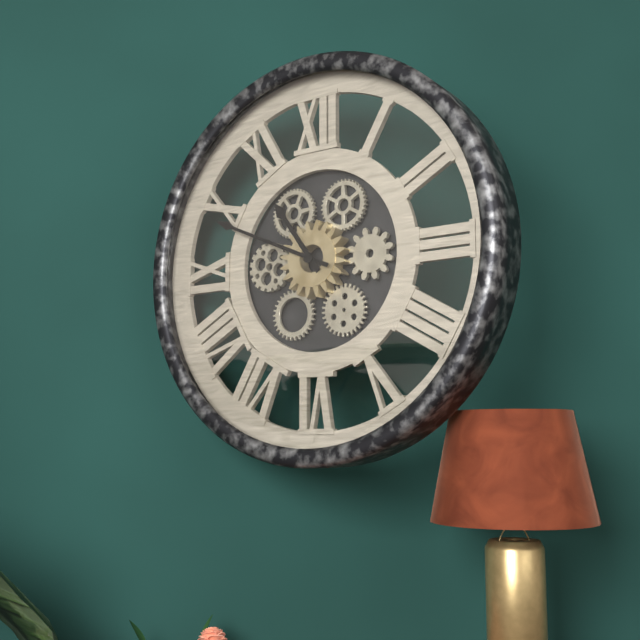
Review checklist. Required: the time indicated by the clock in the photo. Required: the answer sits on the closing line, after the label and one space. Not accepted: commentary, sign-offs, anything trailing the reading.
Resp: 10:49
